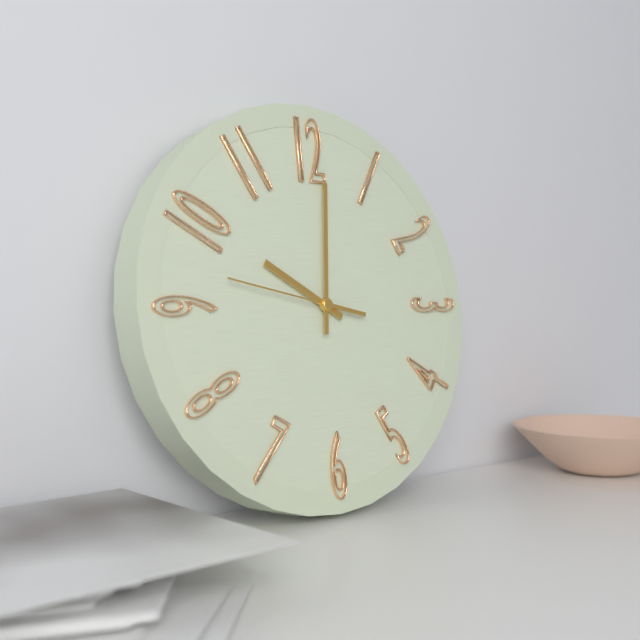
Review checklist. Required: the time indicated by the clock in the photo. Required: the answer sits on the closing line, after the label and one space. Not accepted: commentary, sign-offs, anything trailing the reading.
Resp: 10:01:47
